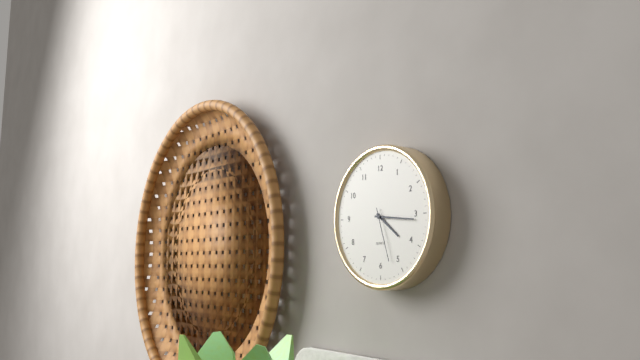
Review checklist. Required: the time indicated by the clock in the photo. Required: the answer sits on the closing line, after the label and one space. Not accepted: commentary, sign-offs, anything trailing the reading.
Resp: 4:16:27
